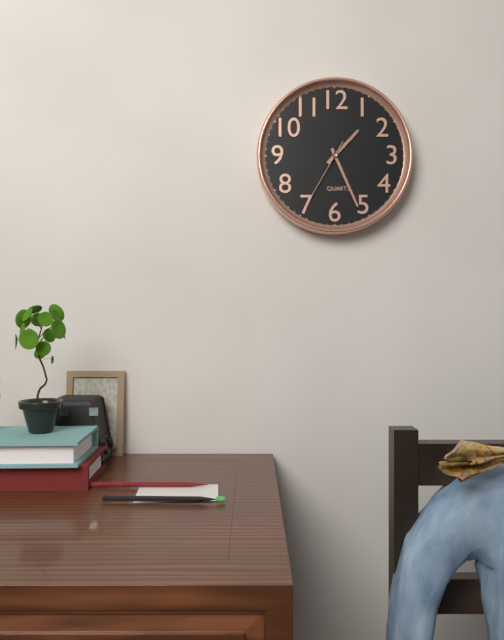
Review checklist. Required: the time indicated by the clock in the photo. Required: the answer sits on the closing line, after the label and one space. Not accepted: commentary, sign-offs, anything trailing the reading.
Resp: 1:26:35
